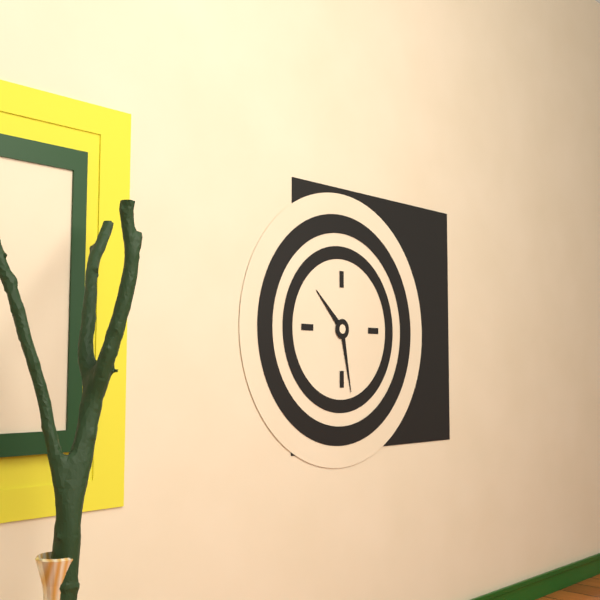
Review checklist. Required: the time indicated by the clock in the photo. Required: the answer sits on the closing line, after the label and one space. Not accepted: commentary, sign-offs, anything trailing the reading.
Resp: 10:28
